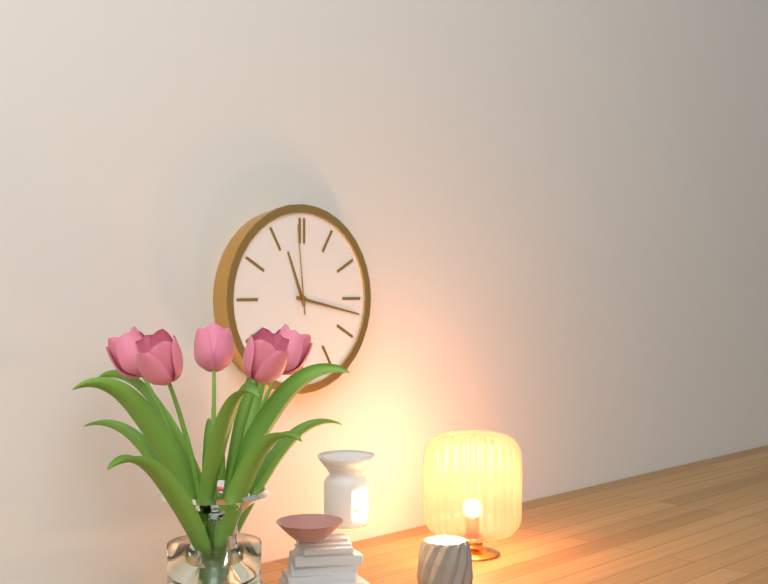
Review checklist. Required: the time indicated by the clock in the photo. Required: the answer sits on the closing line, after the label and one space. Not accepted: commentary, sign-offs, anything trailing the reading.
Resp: 11:17:59
